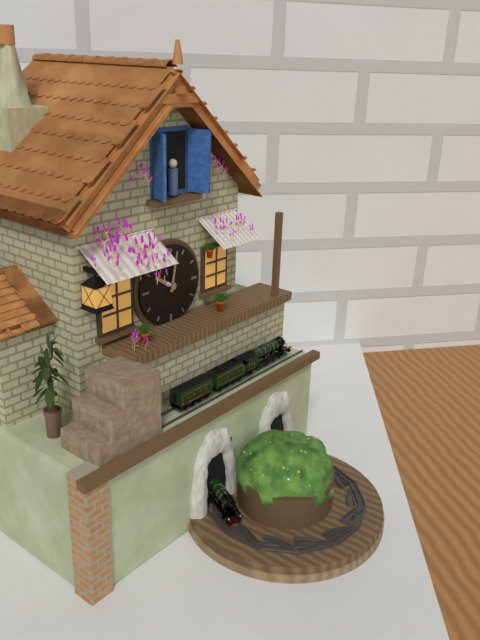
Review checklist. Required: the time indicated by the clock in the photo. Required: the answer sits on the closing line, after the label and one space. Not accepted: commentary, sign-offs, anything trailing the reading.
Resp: 10:02
